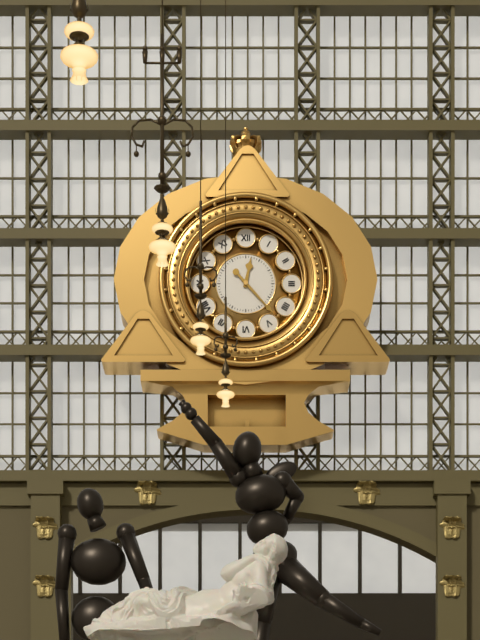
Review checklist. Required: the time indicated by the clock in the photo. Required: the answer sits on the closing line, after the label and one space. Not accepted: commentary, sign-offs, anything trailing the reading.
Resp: 12:23
